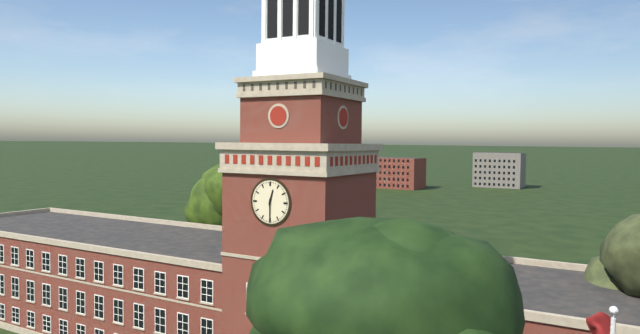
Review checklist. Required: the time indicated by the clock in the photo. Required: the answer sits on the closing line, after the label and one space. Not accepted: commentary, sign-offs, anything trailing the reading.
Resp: 12:30
